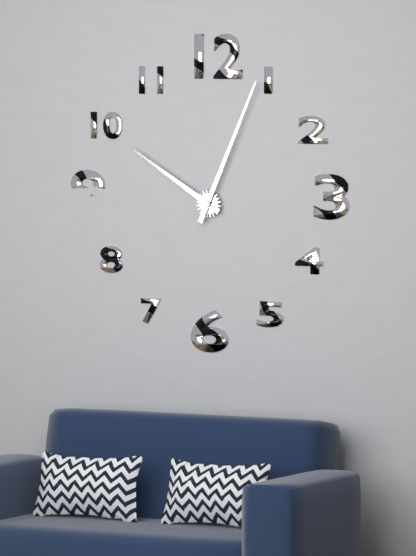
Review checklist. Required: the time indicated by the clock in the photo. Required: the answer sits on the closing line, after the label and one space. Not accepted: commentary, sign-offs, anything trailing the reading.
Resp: 10:04
